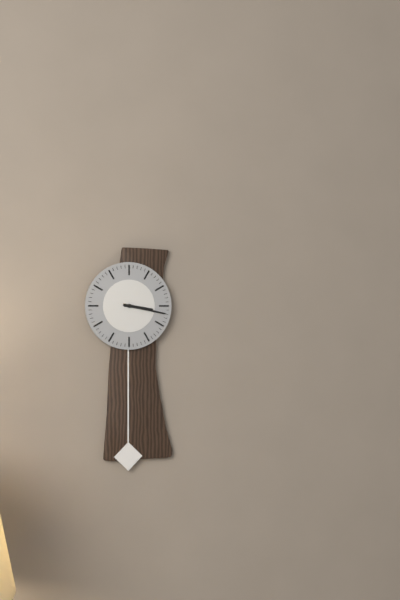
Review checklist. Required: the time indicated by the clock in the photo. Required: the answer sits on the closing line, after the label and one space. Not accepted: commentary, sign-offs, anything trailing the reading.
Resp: 3:17
